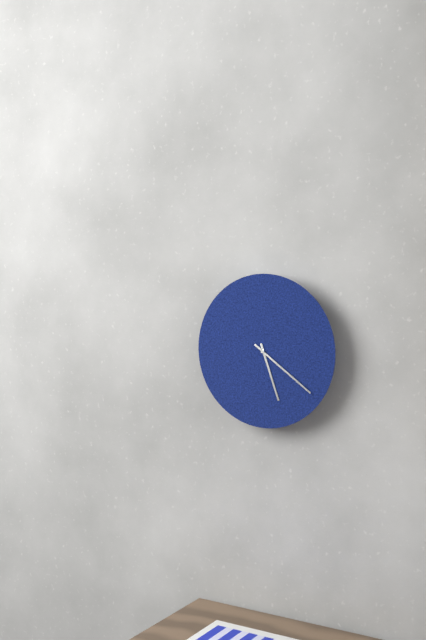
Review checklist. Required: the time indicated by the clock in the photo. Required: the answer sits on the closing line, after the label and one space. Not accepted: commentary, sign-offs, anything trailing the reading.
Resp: 5:21
